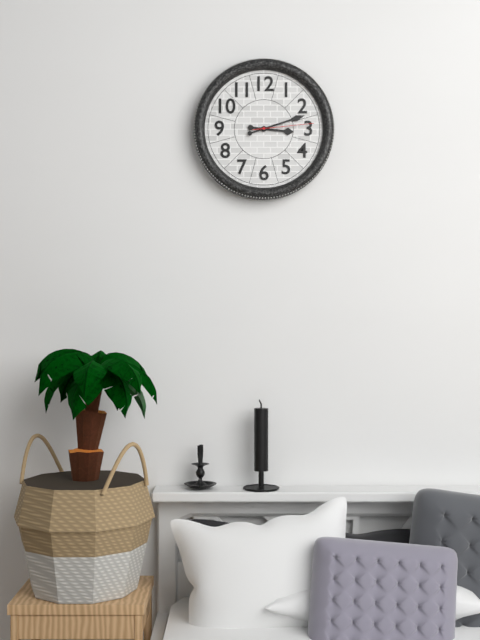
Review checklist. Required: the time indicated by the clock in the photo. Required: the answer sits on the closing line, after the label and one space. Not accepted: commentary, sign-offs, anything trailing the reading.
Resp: 3:12:14
